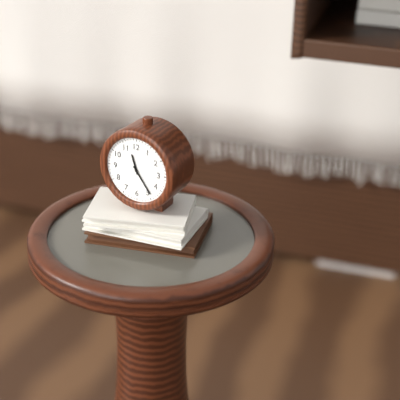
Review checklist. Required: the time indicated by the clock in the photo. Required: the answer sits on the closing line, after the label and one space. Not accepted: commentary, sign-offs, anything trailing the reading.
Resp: 11:24
